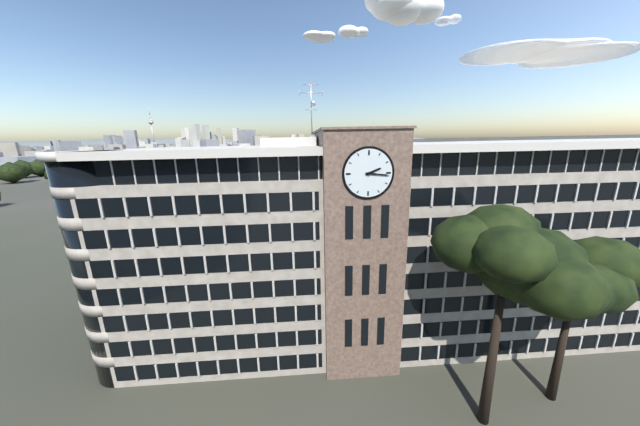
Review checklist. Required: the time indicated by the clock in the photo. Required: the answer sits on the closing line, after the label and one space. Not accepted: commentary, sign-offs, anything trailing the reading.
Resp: 2:16
